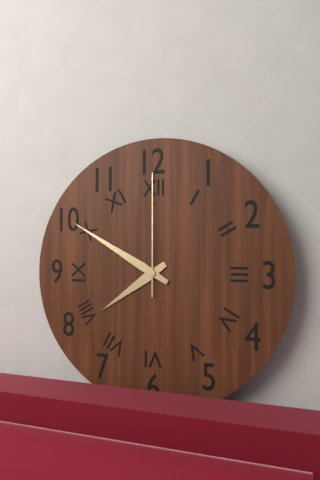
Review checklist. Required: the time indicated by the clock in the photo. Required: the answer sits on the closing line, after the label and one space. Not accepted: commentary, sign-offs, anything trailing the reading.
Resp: 7:50:00
